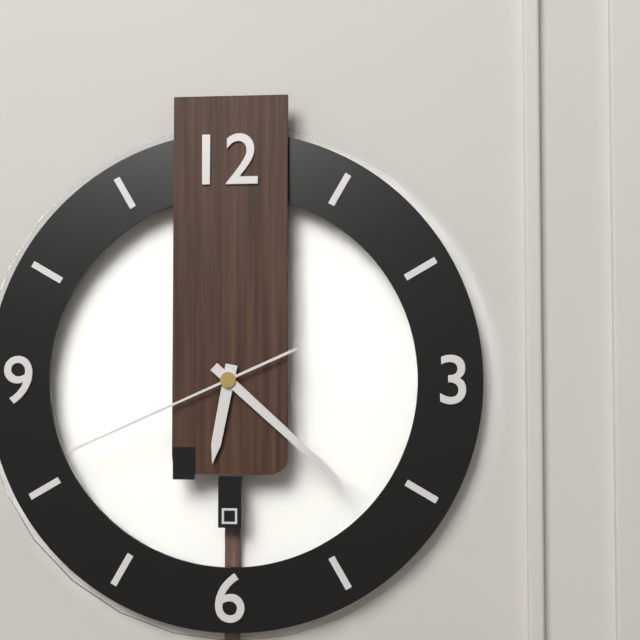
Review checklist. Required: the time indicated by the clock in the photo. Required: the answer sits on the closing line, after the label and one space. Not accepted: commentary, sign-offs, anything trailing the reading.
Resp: 6:22:41
